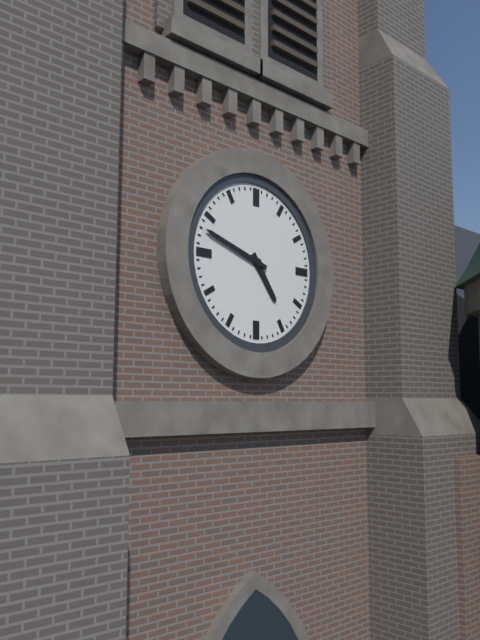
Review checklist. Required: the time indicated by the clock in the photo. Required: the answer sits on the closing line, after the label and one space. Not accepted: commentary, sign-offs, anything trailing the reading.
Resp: 4:48
